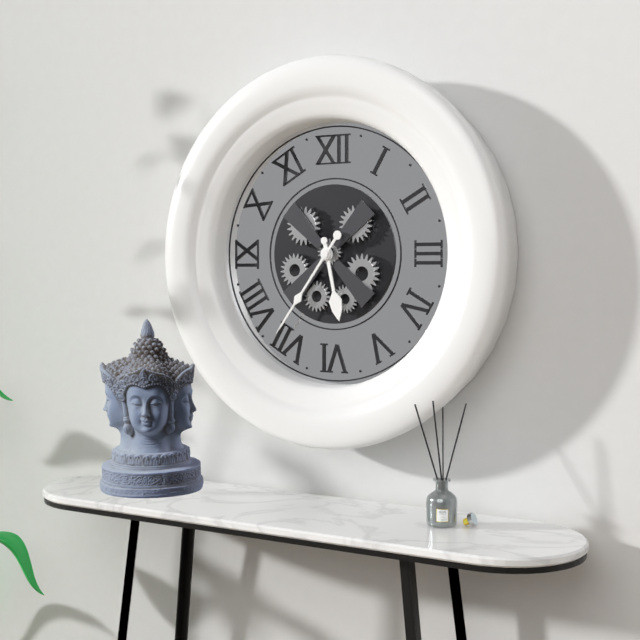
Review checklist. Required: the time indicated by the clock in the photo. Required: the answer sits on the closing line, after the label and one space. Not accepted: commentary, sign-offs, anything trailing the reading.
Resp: 5:36
